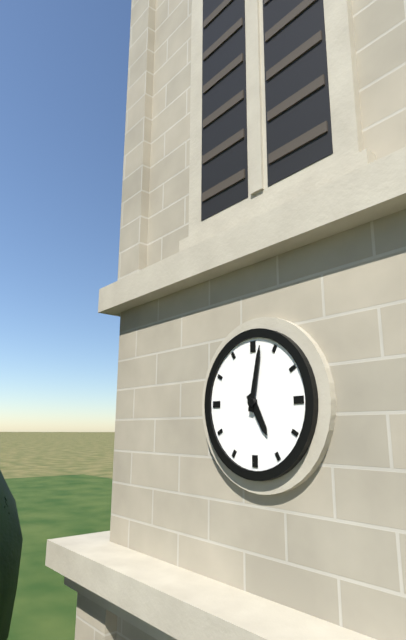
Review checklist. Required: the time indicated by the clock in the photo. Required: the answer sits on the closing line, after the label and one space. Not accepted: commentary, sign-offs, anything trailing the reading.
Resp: 5:02
